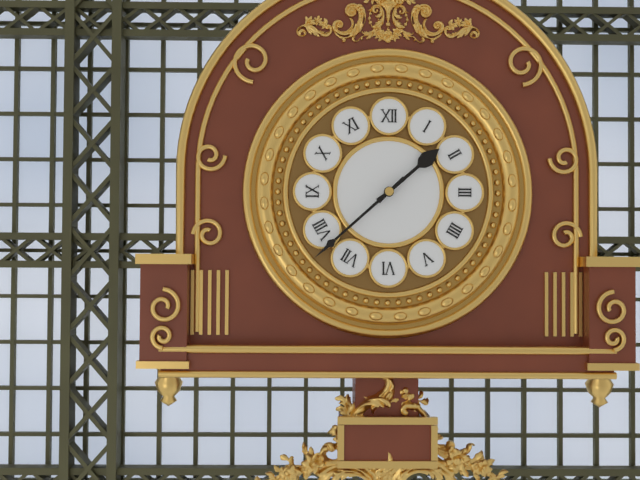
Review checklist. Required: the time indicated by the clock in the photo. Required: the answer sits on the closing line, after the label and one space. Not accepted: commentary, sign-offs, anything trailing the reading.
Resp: 1:38
